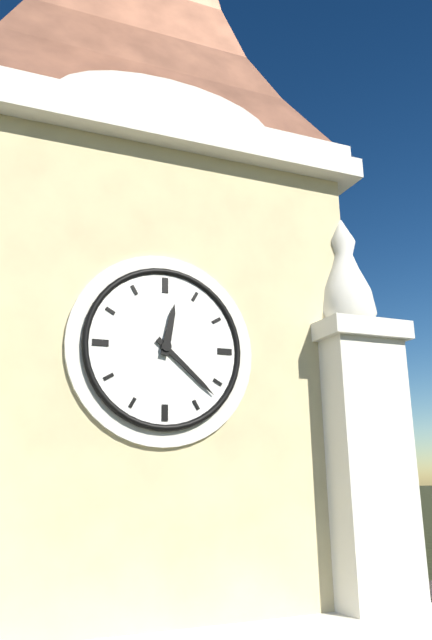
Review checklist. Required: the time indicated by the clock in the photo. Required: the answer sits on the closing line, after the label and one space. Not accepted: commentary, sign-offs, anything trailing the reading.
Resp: 12:22
